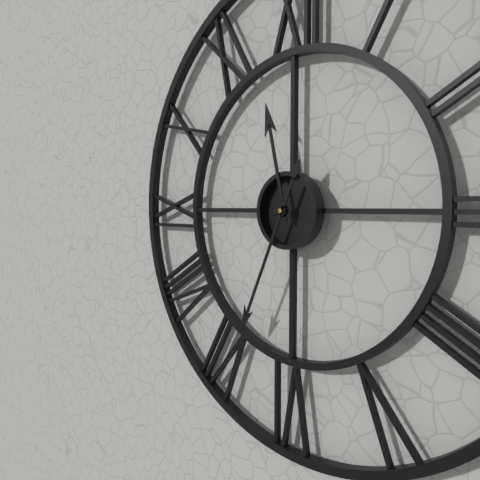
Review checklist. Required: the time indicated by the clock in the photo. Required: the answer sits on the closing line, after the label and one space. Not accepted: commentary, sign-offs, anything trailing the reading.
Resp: 11:34
